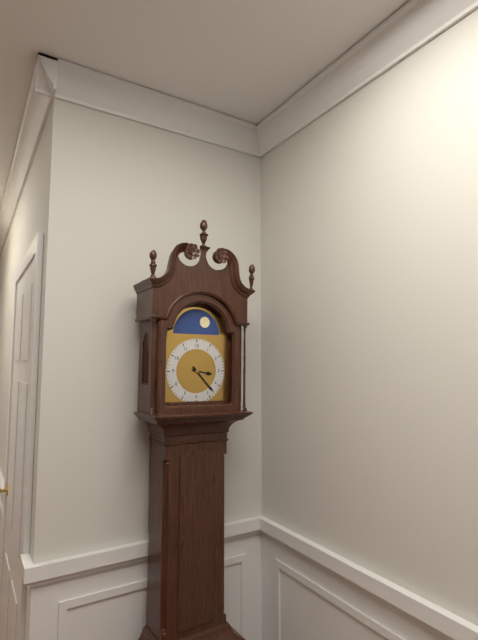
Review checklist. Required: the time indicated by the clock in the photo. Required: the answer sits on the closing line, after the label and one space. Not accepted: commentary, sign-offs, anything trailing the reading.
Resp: 3:23
